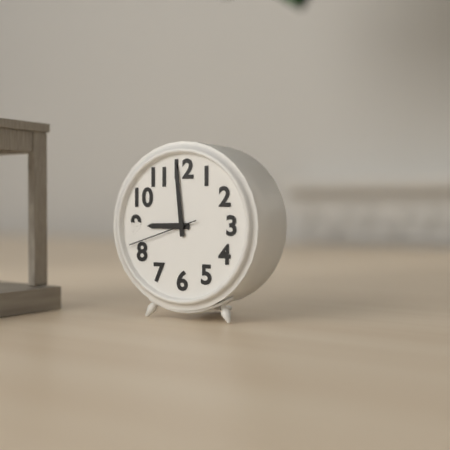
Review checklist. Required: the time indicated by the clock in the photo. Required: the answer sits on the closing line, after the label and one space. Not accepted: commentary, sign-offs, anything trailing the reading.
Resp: 8:59:42
